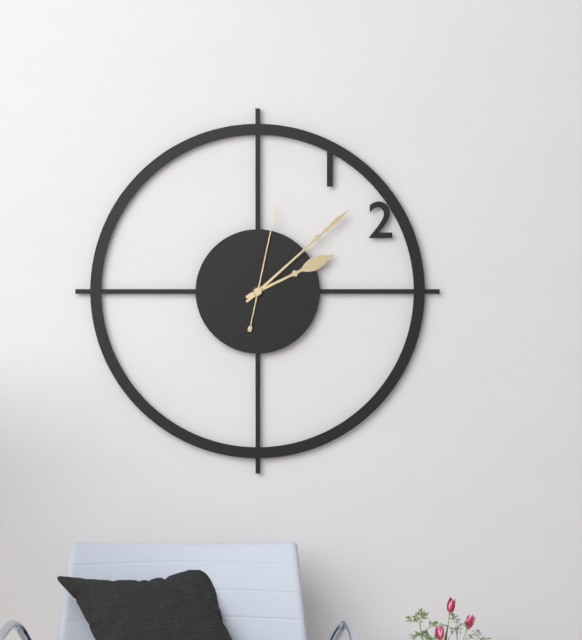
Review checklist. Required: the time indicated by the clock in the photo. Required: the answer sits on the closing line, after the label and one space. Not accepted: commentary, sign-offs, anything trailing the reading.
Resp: 2:08:02
